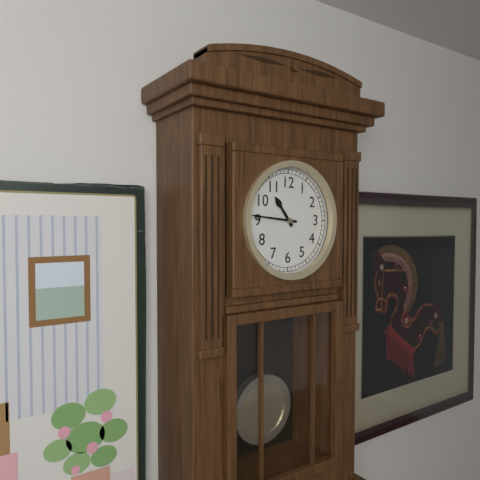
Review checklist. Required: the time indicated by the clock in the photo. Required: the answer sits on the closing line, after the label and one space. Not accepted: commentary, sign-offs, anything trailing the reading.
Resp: 10:46
